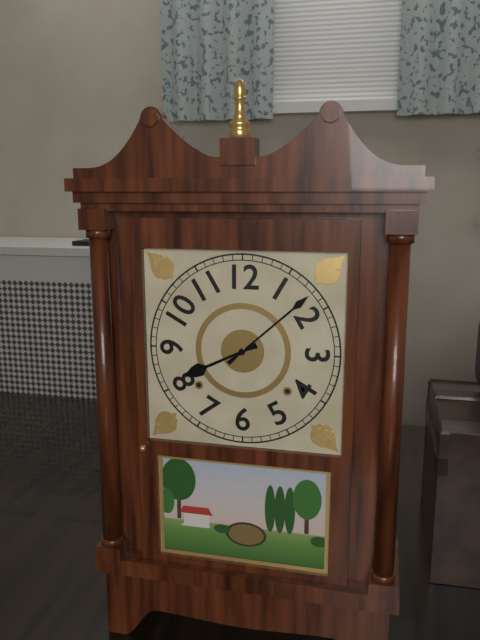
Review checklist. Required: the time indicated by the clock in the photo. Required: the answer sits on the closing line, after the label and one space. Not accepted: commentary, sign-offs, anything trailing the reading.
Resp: 8:08
